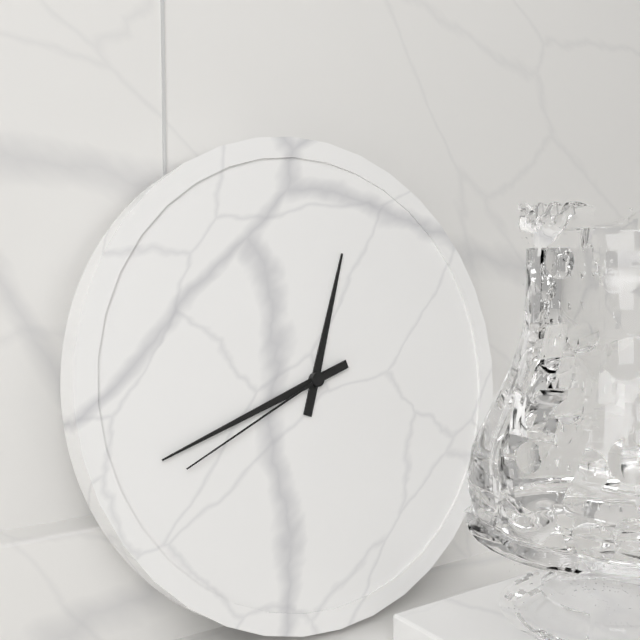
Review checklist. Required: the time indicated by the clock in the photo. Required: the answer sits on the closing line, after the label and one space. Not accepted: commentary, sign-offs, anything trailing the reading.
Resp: 12:42:41
